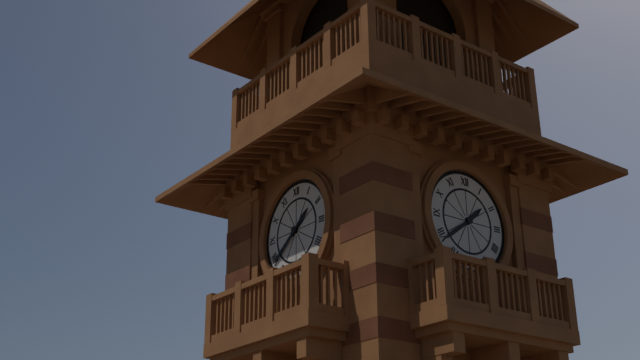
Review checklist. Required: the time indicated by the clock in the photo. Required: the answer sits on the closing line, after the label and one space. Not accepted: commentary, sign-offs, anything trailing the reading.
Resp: 1:39
